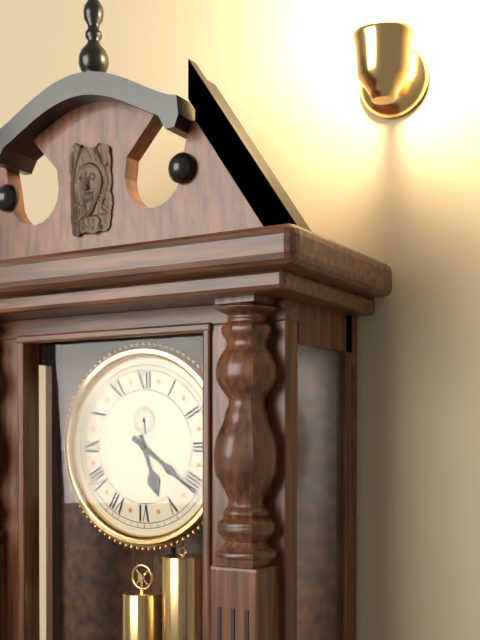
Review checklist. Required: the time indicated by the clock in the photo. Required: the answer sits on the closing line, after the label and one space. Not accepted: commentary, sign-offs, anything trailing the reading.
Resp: 5:21
